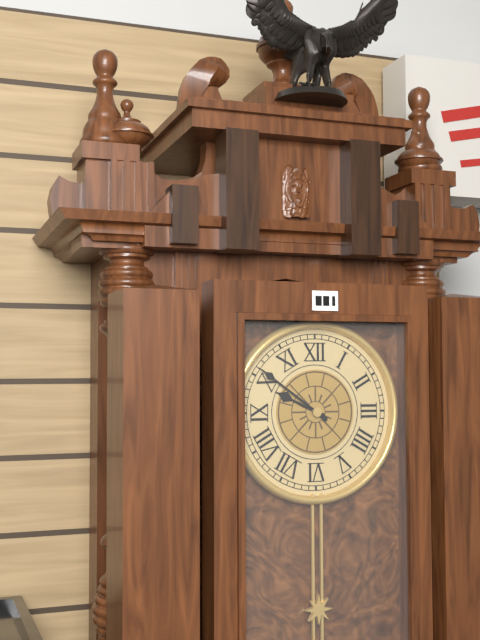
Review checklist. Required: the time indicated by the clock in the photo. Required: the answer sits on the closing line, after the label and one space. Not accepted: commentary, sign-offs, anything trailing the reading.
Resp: 9:51
